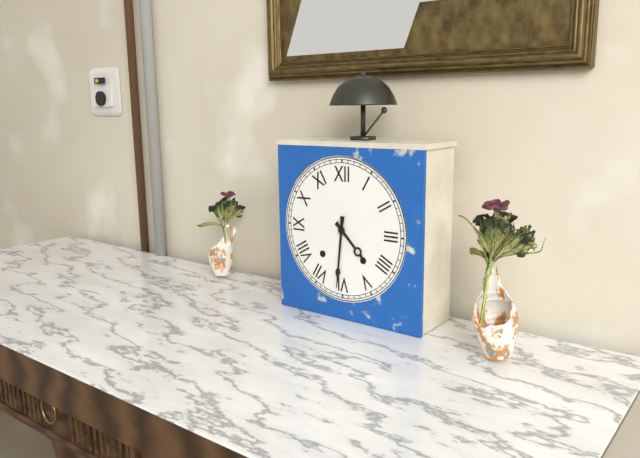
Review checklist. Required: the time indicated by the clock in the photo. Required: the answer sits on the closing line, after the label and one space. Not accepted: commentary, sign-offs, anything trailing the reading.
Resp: 4:31
